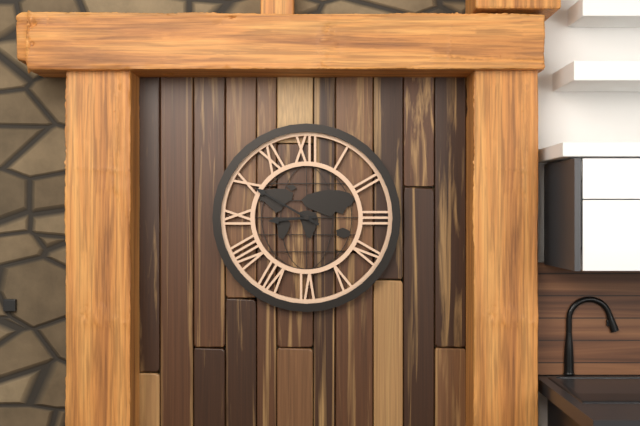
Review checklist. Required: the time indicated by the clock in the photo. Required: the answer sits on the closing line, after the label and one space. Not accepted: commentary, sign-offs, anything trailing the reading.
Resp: 8:50
